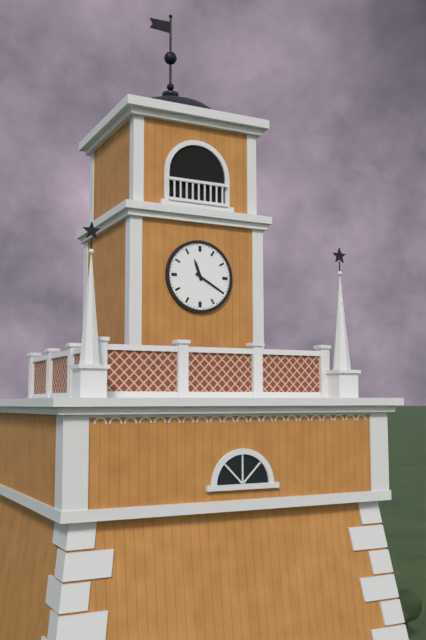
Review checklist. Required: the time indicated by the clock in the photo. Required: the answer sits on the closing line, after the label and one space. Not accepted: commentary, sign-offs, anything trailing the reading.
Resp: 11:20
